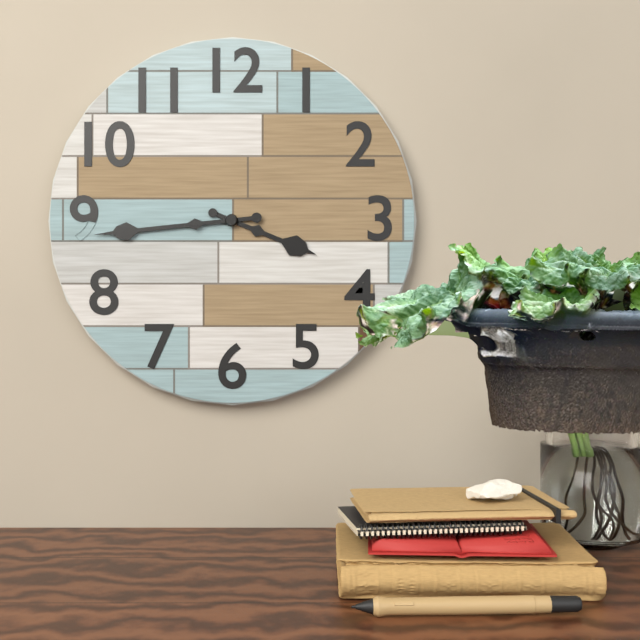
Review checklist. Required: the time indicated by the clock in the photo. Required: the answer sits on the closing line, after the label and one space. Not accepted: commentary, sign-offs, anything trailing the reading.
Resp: 3:44
